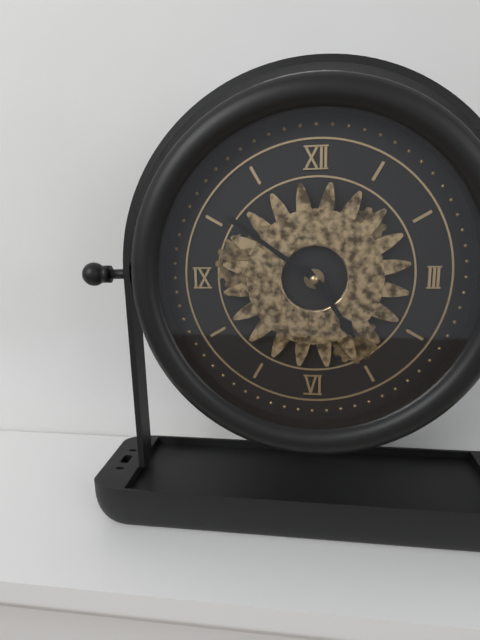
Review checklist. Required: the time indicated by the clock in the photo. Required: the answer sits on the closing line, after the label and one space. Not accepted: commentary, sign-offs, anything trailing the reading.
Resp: 4:51
